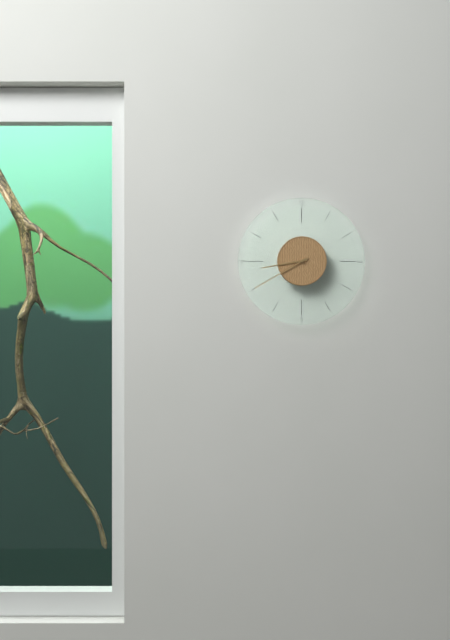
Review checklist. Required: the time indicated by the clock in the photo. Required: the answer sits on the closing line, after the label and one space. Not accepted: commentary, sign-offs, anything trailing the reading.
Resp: 8:40
